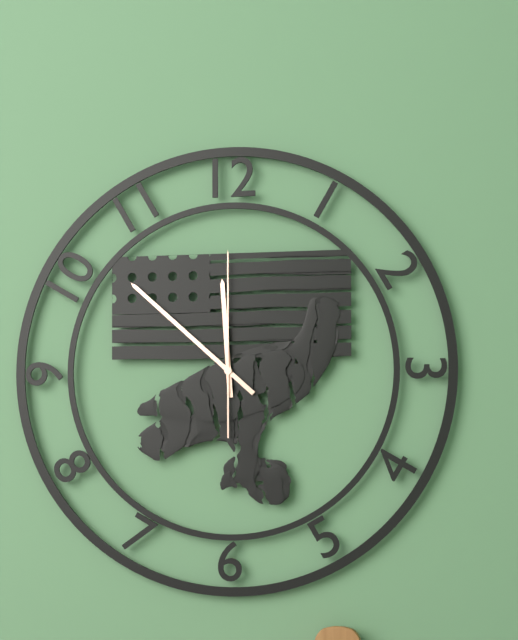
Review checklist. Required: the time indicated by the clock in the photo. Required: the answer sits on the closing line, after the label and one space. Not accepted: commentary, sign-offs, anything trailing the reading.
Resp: 11:52:00
